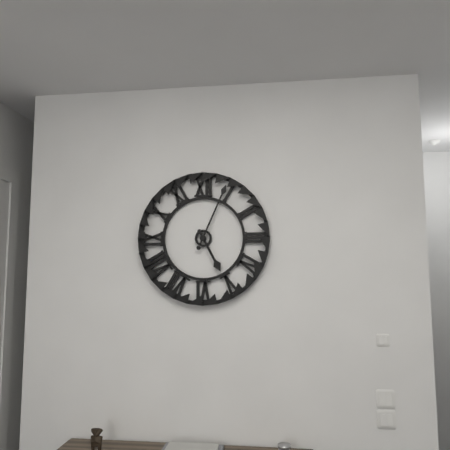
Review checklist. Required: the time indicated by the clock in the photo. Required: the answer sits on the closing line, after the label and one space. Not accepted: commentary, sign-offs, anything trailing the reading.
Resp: 5:04
